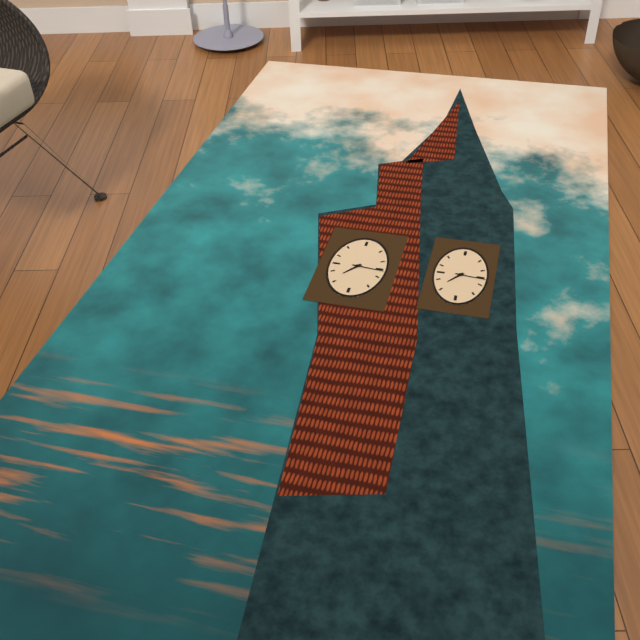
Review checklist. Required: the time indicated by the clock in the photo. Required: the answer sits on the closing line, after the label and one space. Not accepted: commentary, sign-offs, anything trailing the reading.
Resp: 7:16
